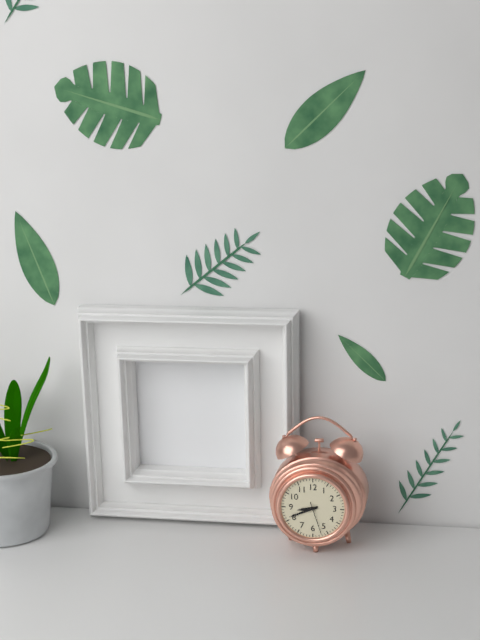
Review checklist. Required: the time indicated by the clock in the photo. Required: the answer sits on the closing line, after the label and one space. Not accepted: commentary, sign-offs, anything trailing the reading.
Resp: 8:41
